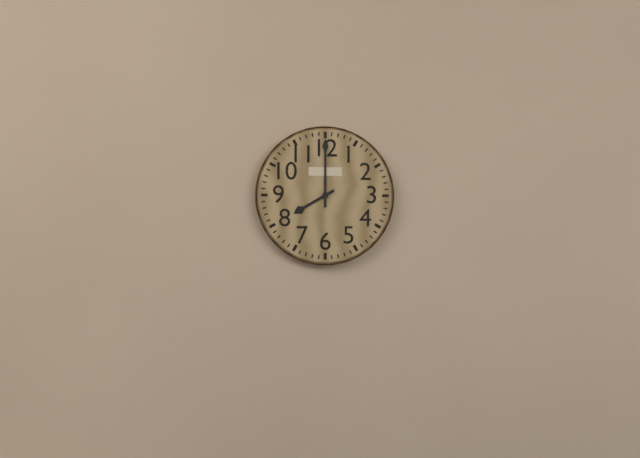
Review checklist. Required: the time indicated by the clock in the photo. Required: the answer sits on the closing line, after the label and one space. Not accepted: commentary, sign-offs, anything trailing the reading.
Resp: 8:00
